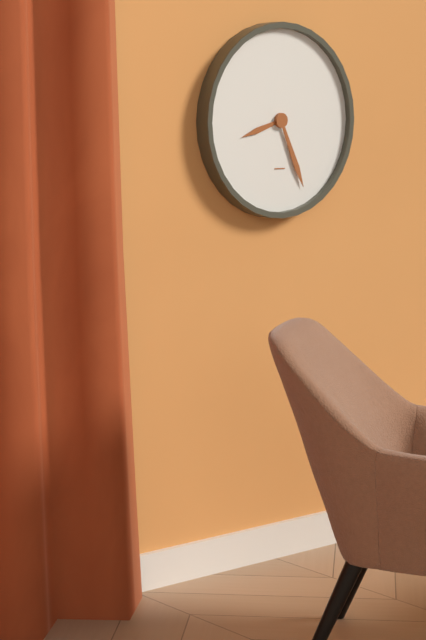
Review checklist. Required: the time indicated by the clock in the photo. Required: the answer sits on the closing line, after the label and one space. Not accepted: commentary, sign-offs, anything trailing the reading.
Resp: 8:26
